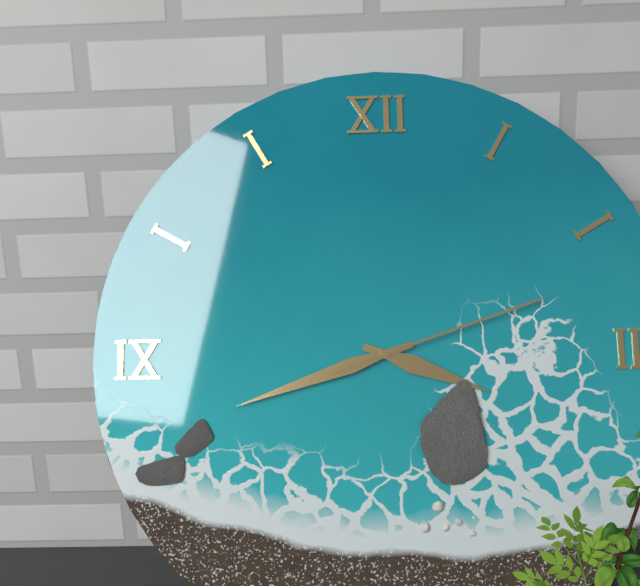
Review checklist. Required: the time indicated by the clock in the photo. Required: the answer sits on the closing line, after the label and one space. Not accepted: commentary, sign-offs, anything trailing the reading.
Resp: 3:42:12
